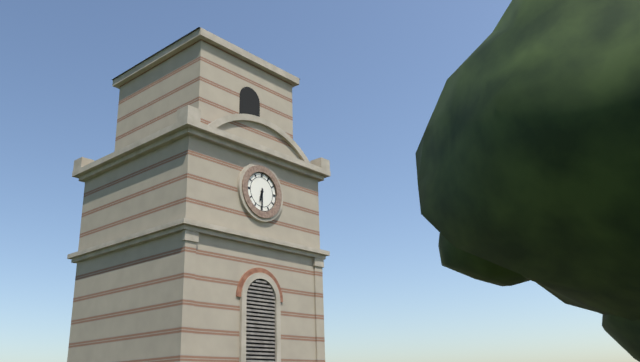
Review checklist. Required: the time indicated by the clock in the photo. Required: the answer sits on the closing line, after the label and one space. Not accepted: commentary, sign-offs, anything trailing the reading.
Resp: 6:30
